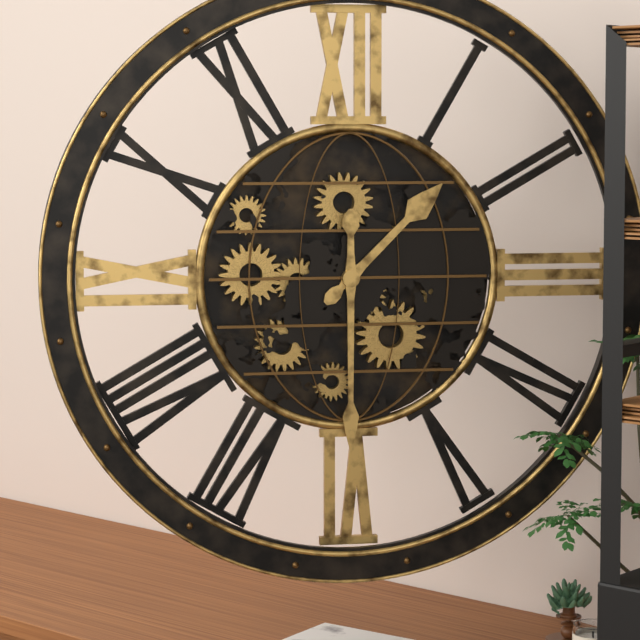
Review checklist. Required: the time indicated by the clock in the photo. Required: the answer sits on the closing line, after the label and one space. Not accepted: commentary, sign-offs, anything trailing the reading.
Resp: 1:30
